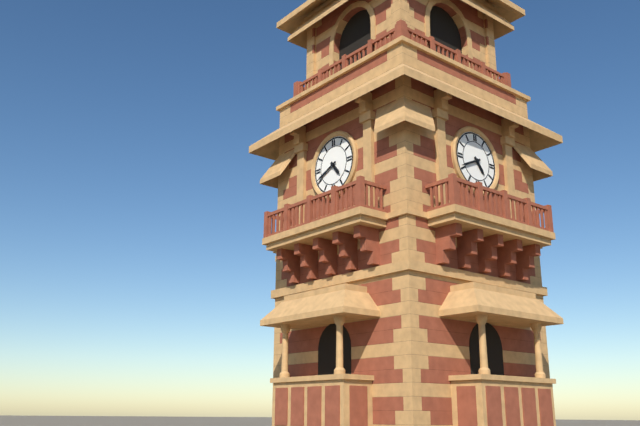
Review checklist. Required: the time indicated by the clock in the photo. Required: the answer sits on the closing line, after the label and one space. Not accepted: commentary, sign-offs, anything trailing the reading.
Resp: 4:41
